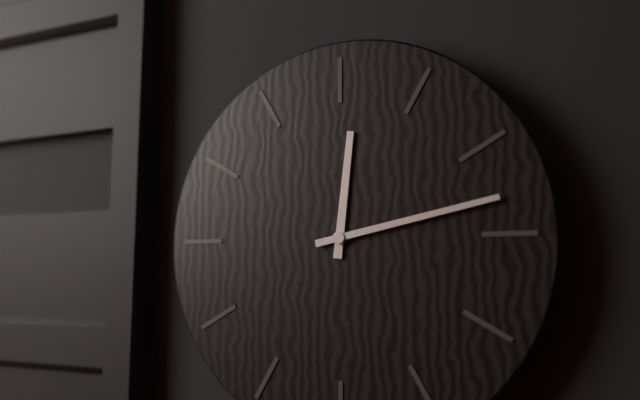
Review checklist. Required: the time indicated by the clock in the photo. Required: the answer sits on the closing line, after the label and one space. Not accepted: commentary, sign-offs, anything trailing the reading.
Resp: 12:13
